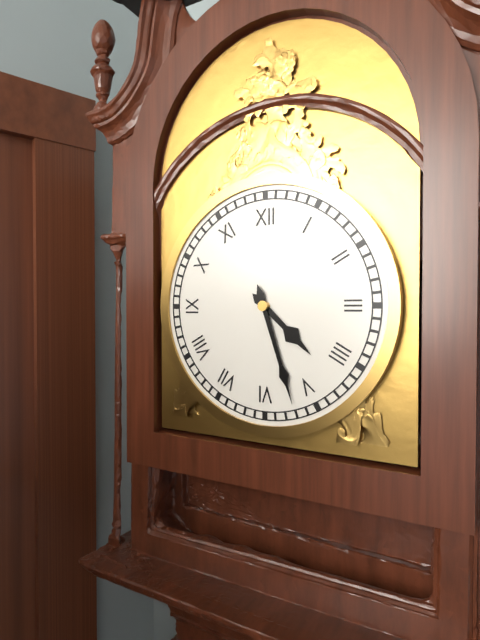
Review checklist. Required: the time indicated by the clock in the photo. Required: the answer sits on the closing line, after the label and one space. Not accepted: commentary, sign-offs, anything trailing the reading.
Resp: 4:27
